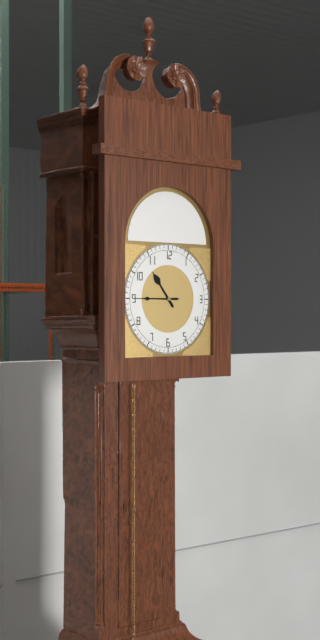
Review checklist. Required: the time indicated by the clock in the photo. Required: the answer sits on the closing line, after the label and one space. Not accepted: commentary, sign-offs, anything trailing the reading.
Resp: 10:45
